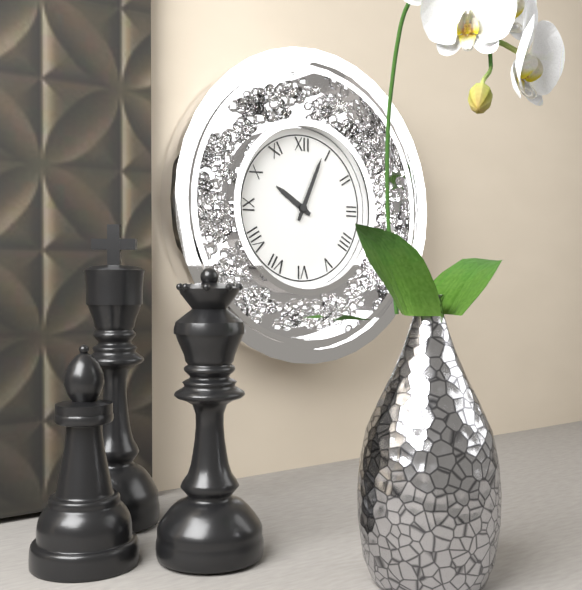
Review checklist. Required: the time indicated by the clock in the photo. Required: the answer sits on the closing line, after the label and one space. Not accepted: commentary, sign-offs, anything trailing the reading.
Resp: 10:04
